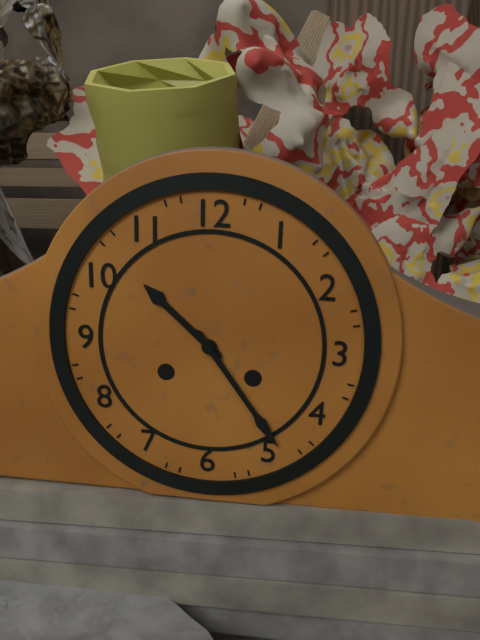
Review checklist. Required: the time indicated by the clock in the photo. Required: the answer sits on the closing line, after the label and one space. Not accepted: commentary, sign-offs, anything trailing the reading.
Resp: 10:24
